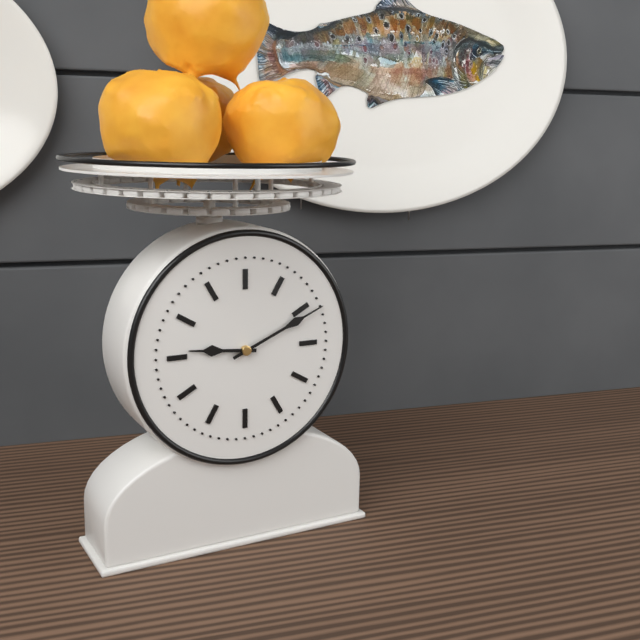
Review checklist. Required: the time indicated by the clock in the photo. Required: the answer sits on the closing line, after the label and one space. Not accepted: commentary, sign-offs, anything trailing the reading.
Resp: 9:11
